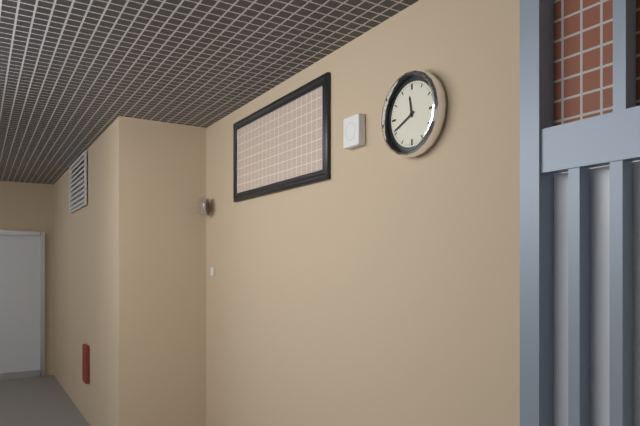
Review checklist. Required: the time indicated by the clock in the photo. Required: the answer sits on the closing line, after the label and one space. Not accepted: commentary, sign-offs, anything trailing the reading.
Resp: 11:41
